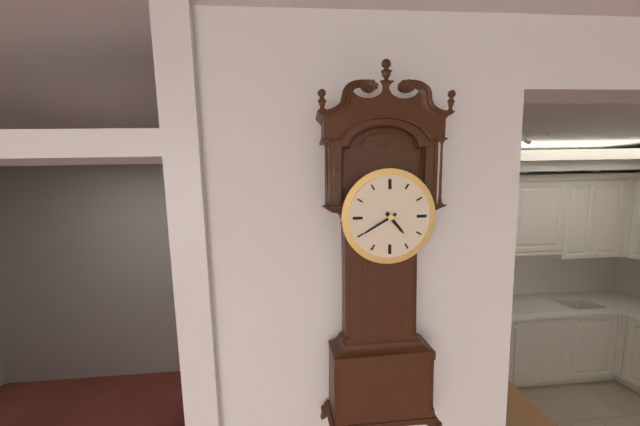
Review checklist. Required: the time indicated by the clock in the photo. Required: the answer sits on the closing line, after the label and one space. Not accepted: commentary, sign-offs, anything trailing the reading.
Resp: 4:40
